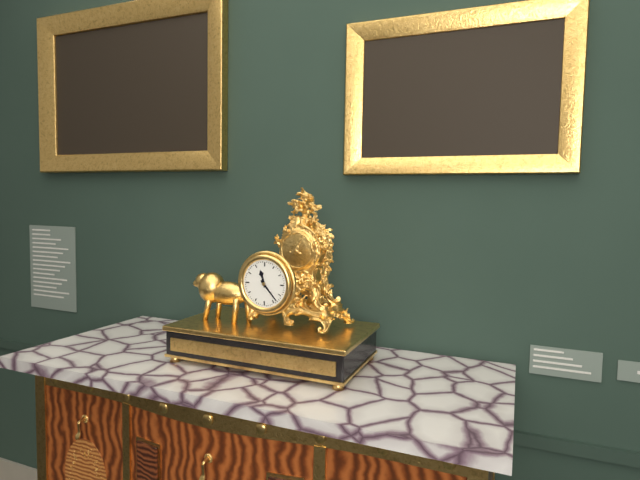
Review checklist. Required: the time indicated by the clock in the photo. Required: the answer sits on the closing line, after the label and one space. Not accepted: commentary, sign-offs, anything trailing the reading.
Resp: 11:23
